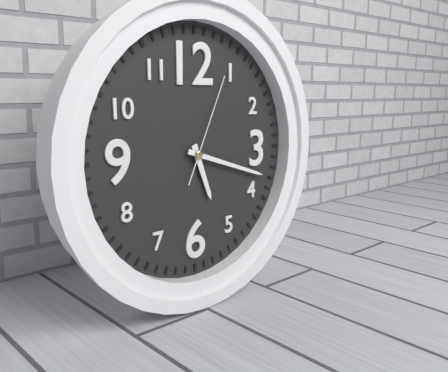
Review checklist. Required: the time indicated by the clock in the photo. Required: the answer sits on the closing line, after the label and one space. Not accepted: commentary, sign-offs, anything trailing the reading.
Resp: 5:18:04
